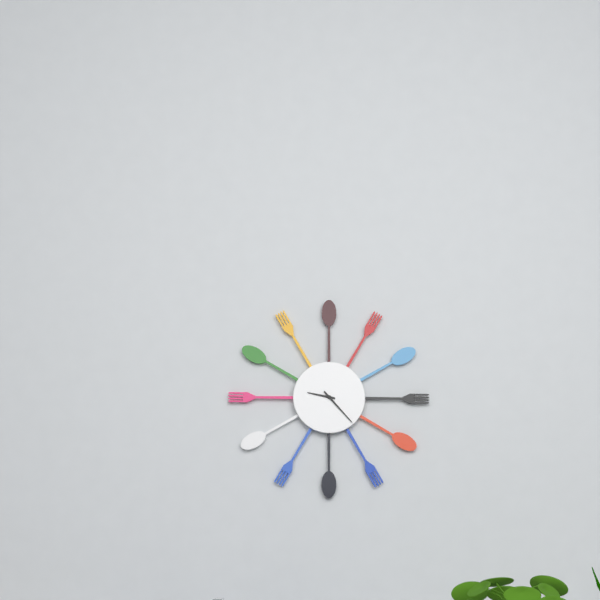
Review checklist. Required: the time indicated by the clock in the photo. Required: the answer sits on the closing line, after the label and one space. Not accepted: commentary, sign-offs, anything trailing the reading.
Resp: 9:23
